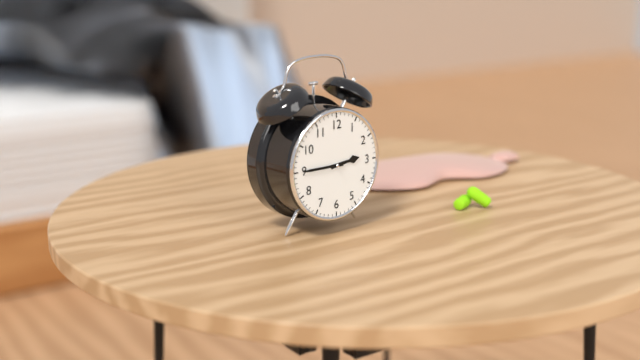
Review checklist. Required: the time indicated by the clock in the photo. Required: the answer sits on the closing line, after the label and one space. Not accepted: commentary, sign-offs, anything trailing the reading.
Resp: 2:45
